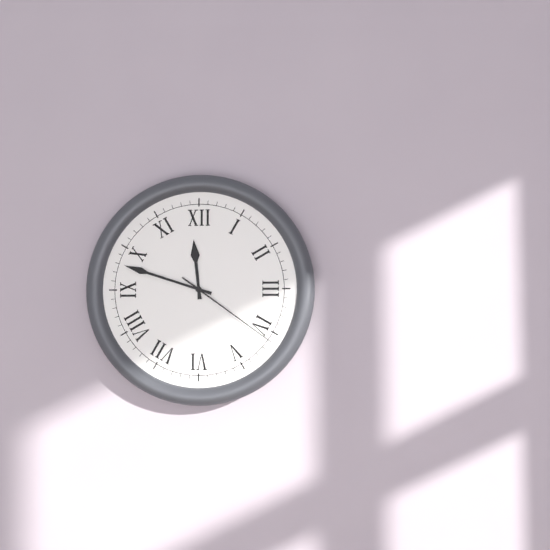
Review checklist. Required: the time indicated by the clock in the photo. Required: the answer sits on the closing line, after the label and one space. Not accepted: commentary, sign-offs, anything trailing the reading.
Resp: 11:48:21
